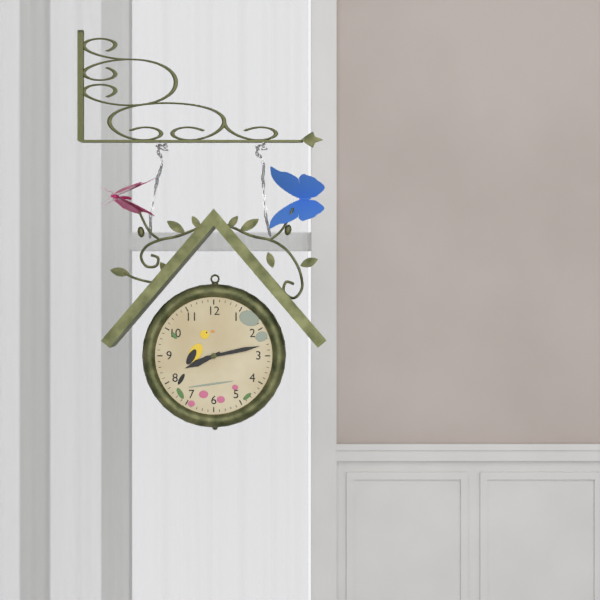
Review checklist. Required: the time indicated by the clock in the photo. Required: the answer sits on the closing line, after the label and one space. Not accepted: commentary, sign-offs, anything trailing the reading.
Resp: 8:13
